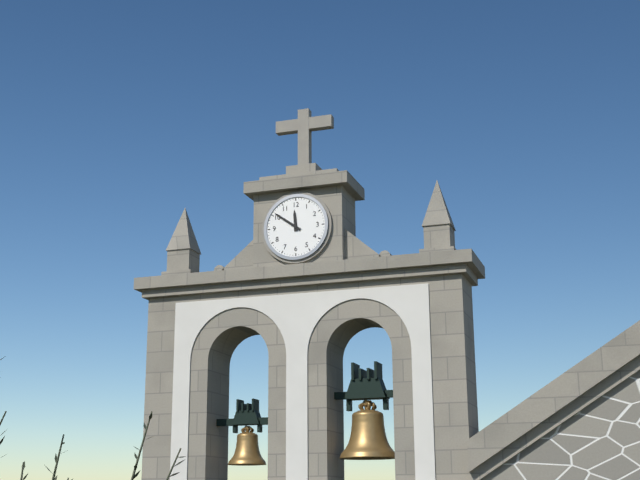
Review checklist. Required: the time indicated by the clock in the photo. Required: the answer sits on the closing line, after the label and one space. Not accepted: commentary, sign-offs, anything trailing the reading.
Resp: 11:51
